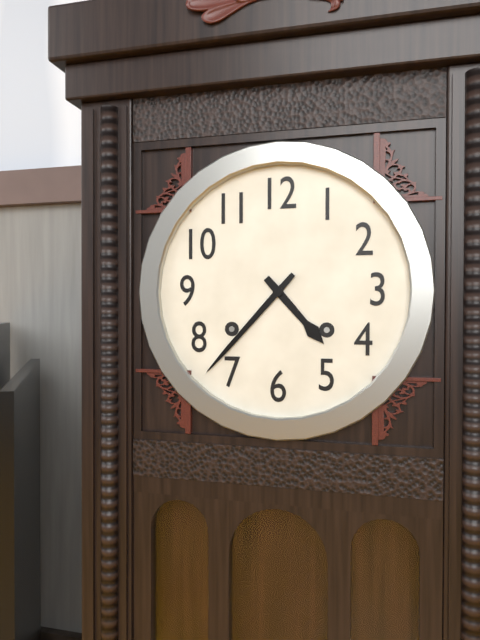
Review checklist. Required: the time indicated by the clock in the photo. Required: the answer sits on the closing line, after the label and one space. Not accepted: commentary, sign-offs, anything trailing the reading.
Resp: 4:37
